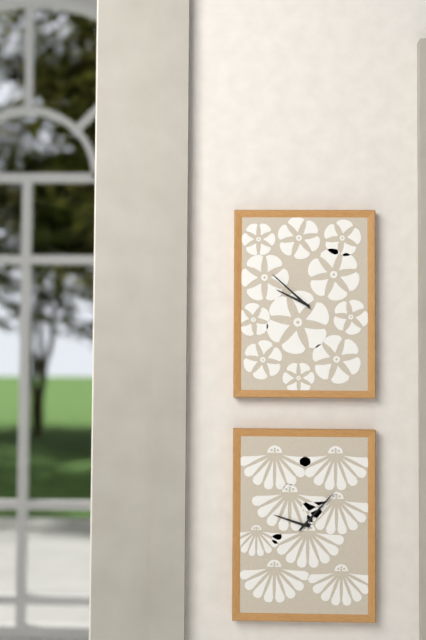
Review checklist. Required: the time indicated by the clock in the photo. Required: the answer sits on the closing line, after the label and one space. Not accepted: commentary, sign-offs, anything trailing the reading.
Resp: 9:52
